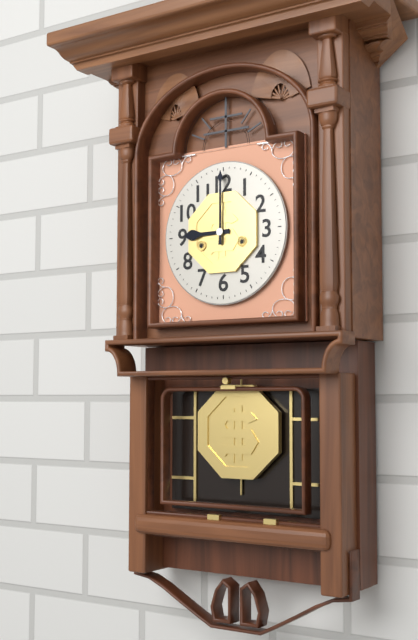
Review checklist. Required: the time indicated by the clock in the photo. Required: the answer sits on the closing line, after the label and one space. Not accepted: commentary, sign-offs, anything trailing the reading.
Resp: 9:00
